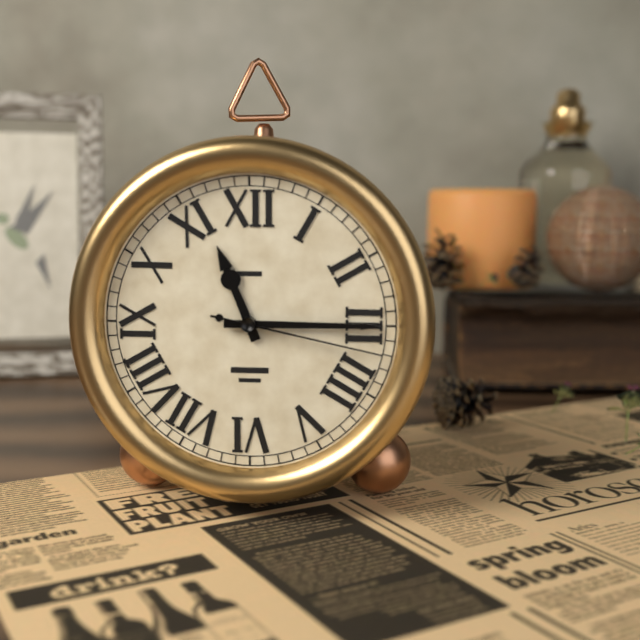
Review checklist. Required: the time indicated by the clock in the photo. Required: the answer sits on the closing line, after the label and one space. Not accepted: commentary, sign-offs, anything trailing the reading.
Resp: 11:15:17
